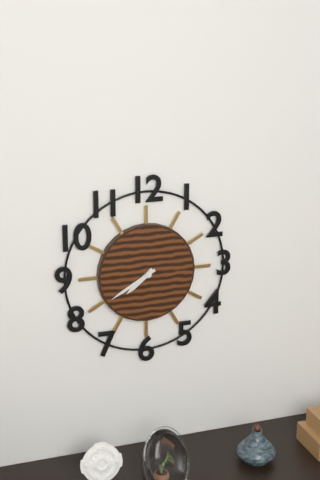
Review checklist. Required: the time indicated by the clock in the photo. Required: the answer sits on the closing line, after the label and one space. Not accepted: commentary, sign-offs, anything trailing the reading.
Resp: 7:40
